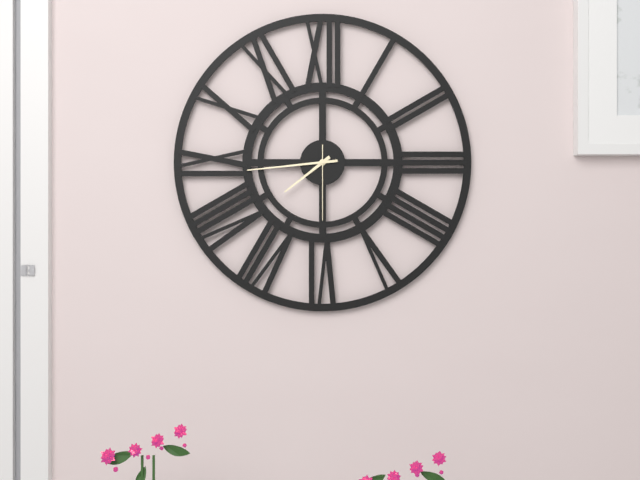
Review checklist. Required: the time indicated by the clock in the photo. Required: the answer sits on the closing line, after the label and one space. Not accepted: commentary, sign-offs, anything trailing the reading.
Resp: 7:44:30
